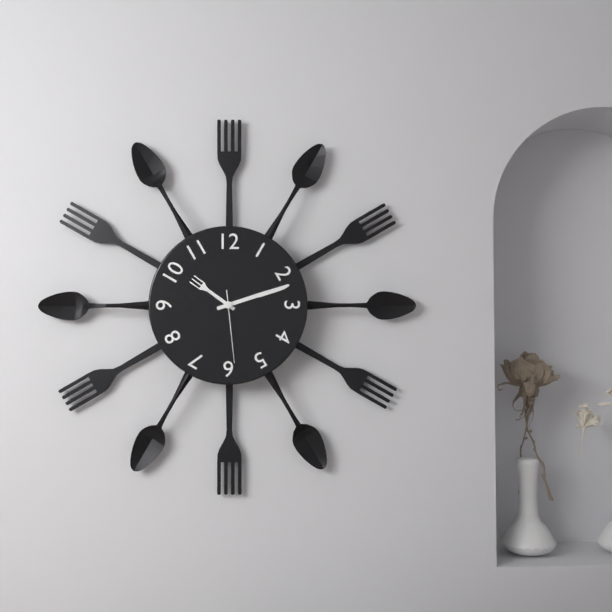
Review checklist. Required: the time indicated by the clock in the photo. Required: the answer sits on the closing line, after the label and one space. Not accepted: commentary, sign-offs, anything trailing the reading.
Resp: 10:12:29
